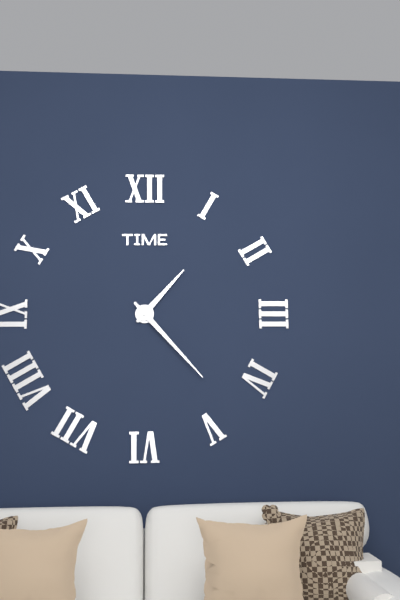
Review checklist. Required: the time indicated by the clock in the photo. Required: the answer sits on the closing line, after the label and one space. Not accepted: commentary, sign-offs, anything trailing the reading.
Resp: 1:23
